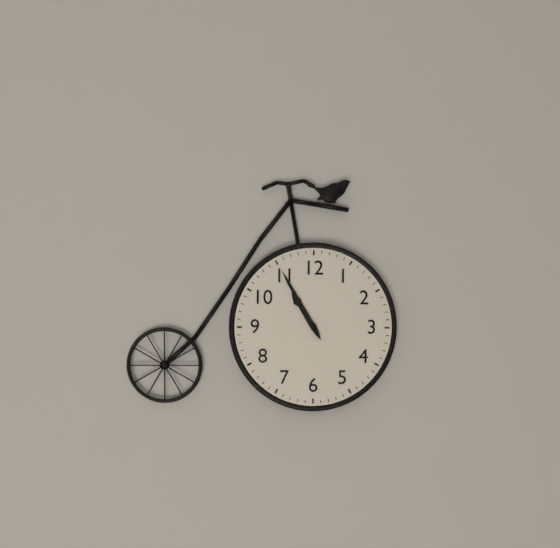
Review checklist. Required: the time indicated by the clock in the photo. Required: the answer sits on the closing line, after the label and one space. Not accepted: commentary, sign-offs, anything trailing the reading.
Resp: 10:55
